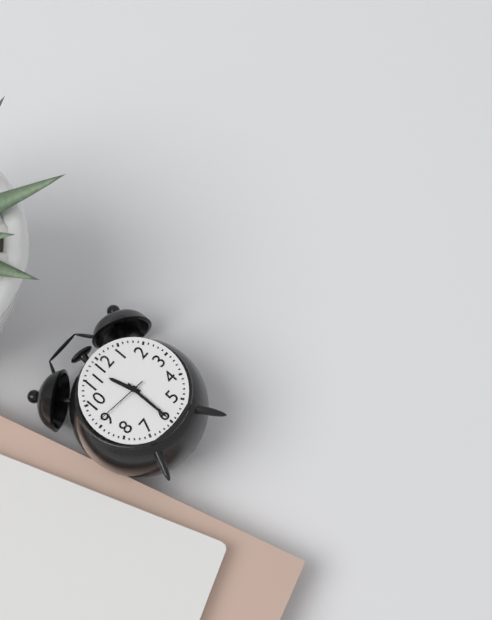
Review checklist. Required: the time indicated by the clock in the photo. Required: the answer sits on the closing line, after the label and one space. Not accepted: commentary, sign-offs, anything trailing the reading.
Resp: 11:30:46
